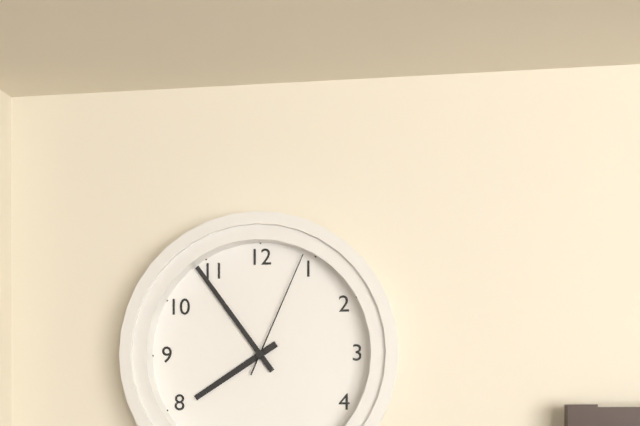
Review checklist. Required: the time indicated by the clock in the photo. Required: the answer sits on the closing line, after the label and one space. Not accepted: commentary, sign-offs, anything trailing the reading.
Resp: 7:54:04
